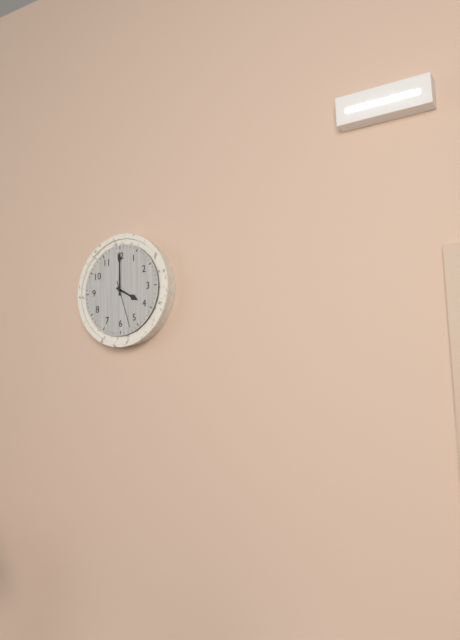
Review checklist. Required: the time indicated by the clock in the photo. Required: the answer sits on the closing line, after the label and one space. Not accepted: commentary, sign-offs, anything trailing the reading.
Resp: 4:00
